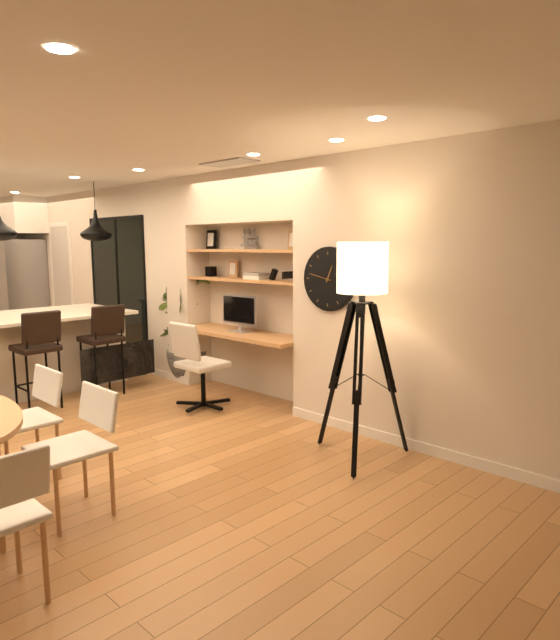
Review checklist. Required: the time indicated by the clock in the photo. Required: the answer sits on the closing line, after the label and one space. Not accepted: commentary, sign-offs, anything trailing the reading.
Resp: 12:47
